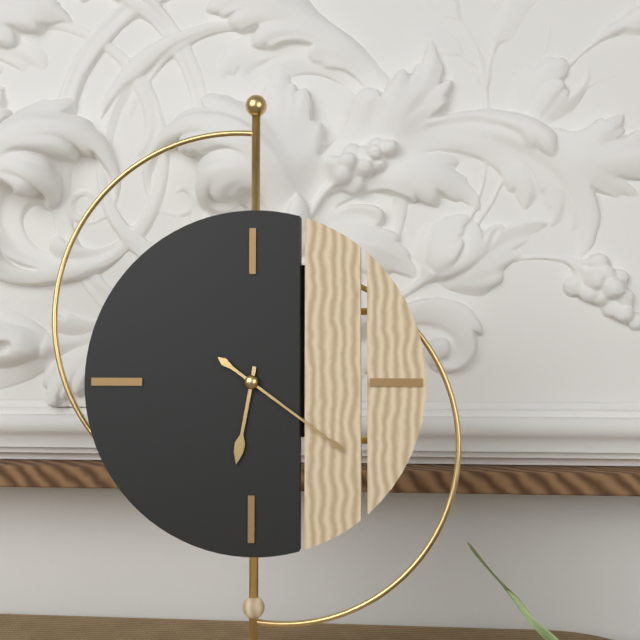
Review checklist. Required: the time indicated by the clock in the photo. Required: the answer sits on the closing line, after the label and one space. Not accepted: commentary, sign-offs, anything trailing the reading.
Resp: 6:21
